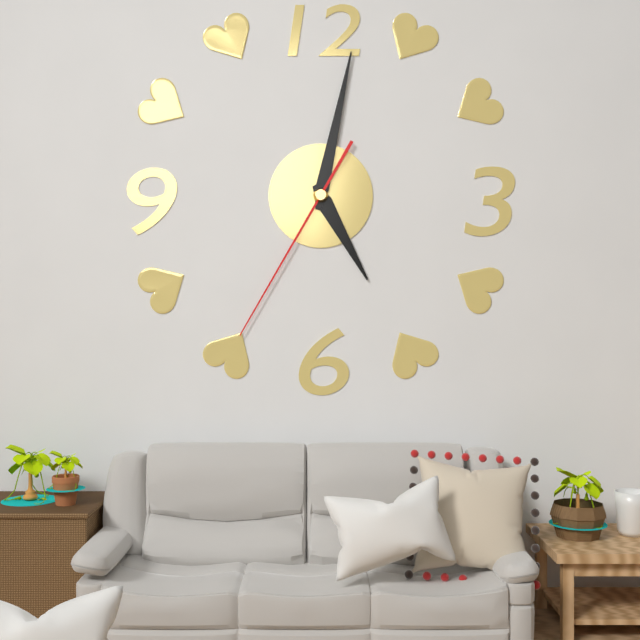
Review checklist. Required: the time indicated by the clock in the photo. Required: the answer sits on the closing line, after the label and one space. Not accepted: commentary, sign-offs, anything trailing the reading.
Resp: 5:02:35
